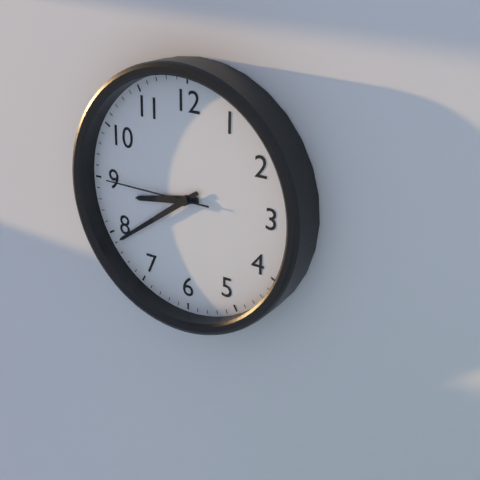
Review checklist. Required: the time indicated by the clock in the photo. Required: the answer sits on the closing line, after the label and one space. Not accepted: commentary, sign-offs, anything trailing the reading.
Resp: 8:39:45
